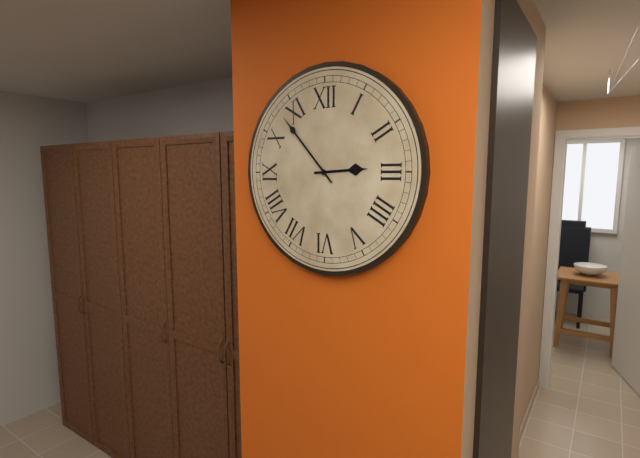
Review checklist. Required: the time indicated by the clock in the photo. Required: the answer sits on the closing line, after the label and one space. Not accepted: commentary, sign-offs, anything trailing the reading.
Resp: 2:53
